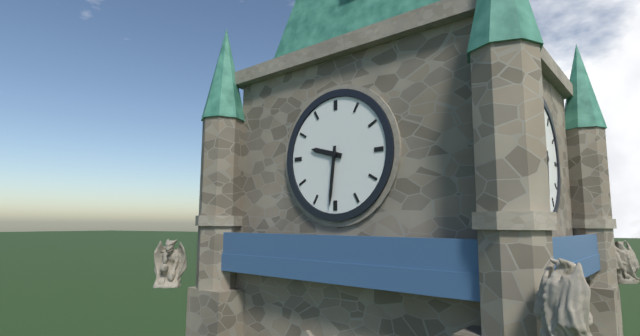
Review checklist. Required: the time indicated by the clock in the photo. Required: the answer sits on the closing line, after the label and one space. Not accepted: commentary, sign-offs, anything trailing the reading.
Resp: 9:31
